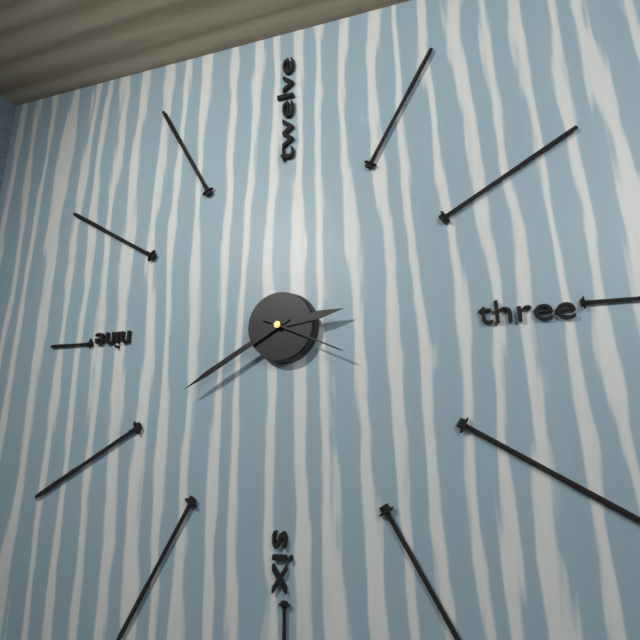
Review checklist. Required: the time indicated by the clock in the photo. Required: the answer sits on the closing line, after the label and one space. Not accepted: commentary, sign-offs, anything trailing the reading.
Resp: 2:40:19
